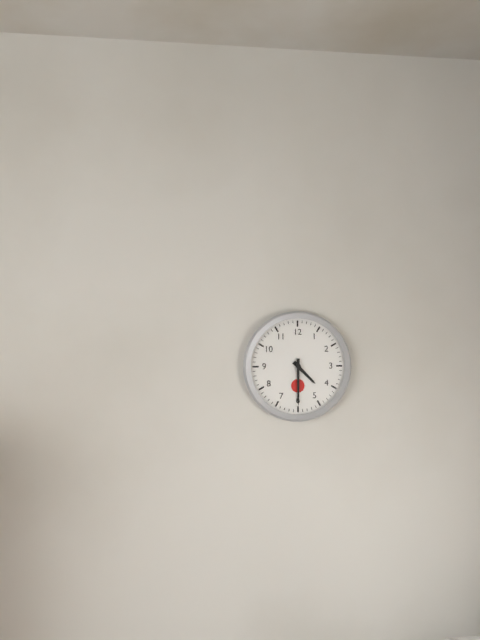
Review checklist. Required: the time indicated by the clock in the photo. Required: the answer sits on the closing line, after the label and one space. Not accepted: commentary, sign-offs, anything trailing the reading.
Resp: 4:30
